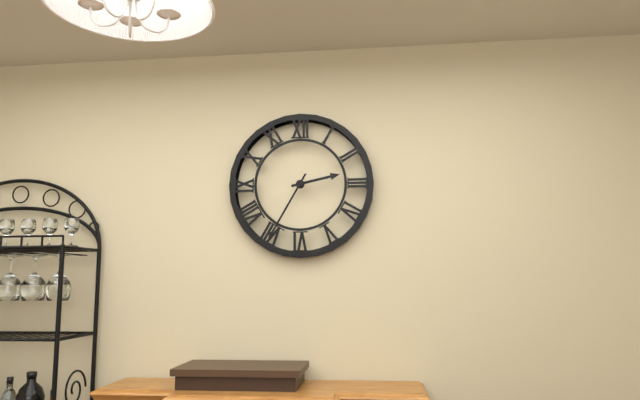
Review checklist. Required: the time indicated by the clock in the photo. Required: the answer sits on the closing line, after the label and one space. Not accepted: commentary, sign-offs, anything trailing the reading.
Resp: 2:35
